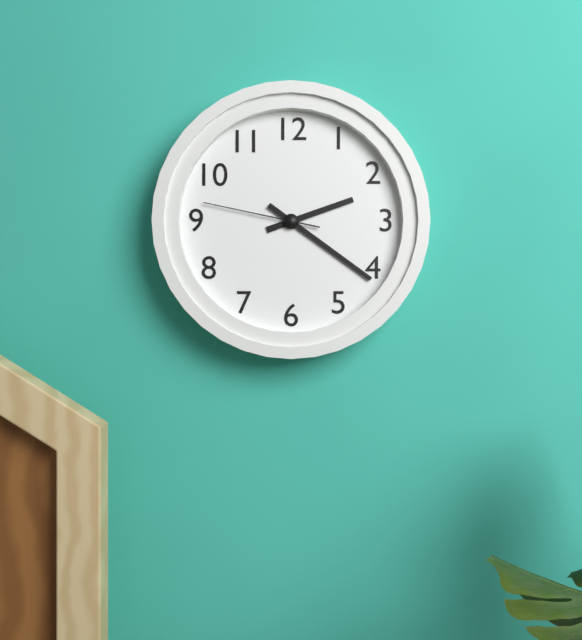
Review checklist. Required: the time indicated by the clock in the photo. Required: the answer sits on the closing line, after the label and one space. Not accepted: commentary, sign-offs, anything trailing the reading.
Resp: 2:21:47
